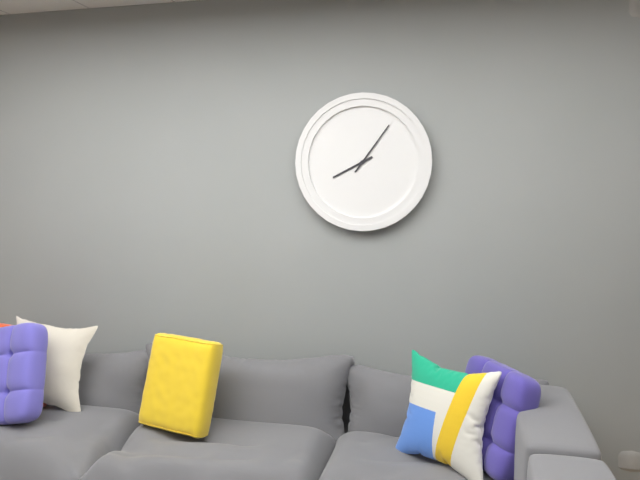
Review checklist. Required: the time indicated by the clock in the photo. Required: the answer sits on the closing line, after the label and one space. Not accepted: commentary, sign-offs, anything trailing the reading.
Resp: 8:06
